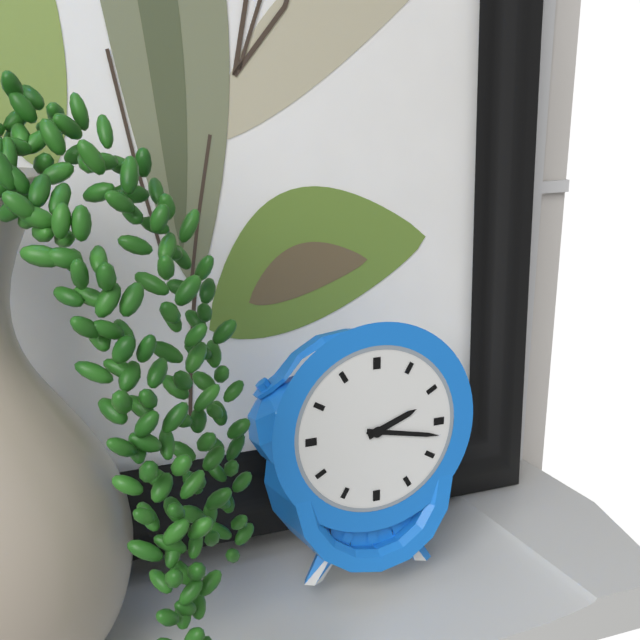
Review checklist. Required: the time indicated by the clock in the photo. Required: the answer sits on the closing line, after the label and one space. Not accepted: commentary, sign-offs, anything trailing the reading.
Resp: 2:17
